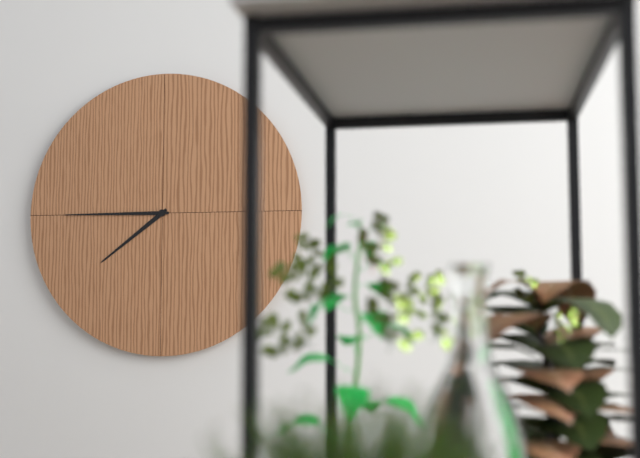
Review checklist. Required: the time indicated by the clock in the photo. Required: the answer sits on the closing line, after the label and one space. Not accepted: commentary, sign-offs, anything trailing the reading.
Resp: 7:45
